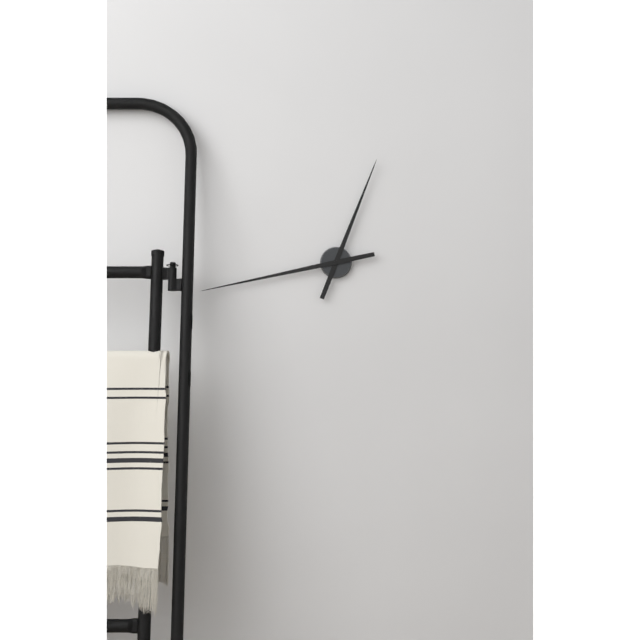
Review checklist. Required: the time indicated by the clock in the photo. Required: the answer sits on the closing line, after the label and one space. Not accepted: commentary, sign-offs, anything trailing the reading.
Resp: 12:43
